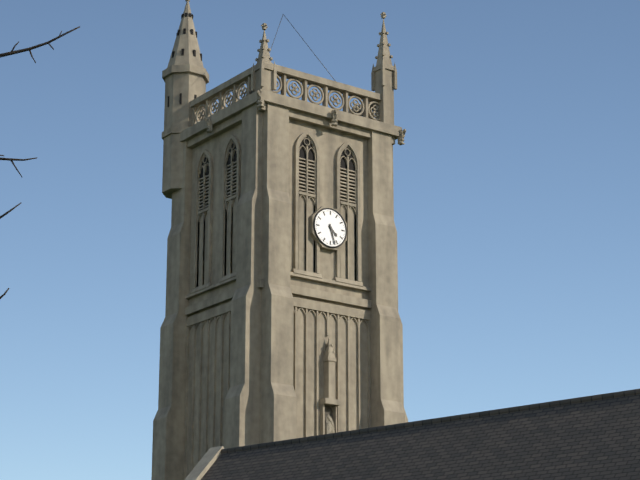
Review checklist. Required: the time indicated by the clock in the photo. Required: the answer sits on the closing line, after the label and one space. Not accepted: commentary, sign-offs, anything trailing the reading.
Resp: 4:27
